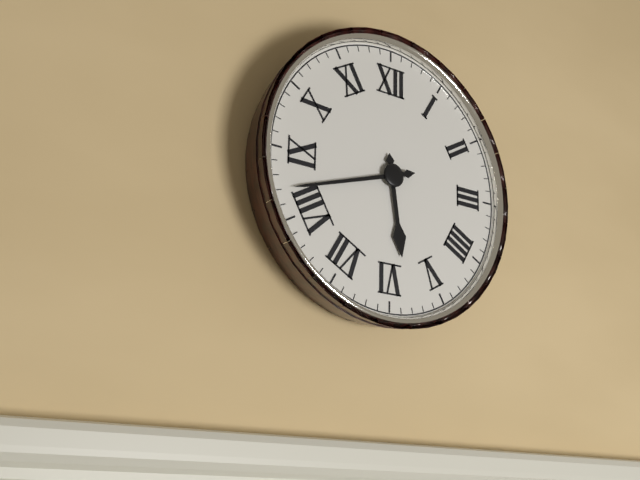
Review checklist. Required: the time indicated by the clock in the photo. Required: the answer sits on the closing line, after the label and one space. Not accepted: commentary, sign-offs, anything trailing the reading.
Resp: 5:42
